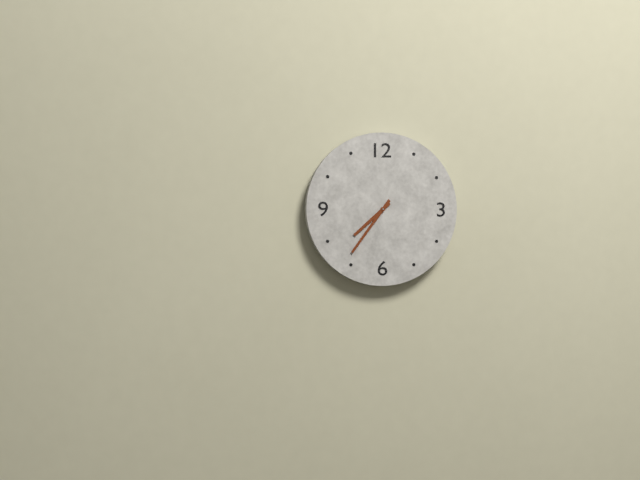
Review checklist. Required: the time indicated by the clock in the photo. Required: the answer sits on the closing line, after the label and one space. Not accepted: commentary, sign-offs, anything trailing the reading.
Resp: 7:36
